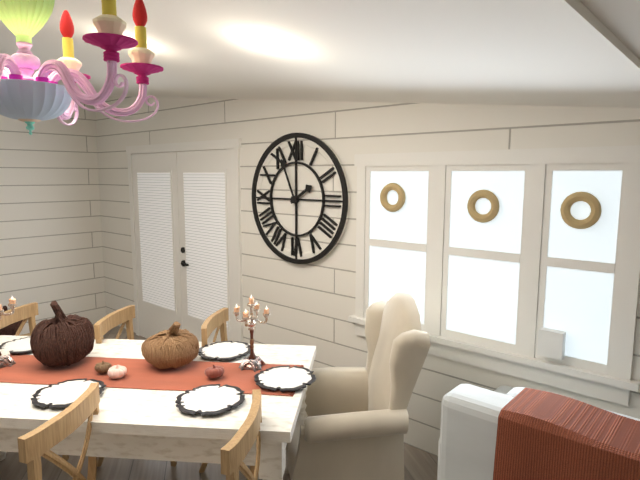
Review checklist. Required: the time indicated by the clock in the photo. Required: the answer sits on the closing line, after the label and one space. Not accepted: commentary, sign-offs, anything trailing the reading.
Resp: 1:56
